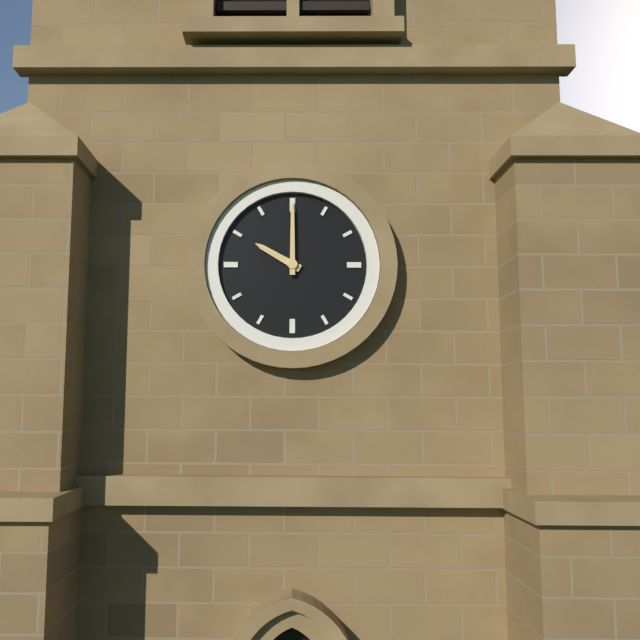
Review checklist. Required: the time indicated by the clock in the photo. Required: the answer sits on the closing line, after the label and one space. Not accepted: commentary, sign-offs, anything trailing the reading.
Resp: 10:00
